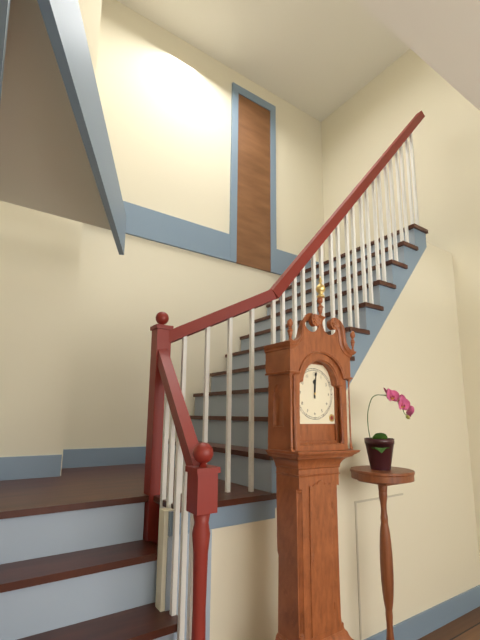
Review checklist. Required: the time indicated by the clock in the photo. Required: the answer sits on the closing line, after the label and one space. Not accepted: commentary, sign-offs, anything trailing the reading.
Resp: 12:01
